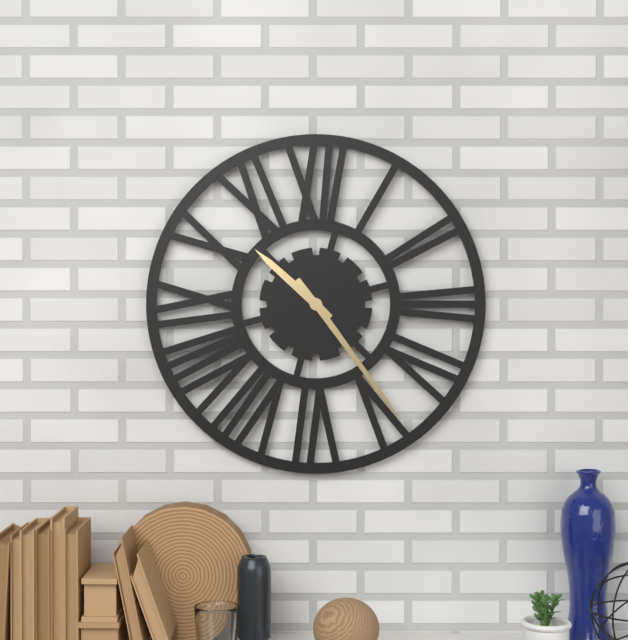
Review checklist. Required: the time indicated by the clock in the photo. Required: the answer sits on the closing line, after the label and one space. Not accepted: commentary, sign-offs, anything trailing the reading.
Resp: 10:24
